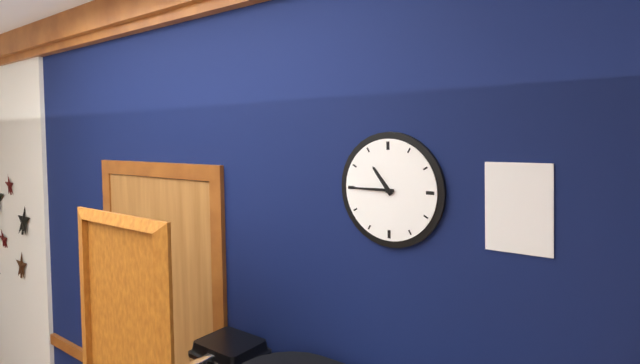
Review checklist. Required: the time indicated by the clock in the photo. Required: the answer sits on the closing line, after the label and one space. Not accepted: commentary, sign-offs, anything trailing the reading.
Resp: 10:45
